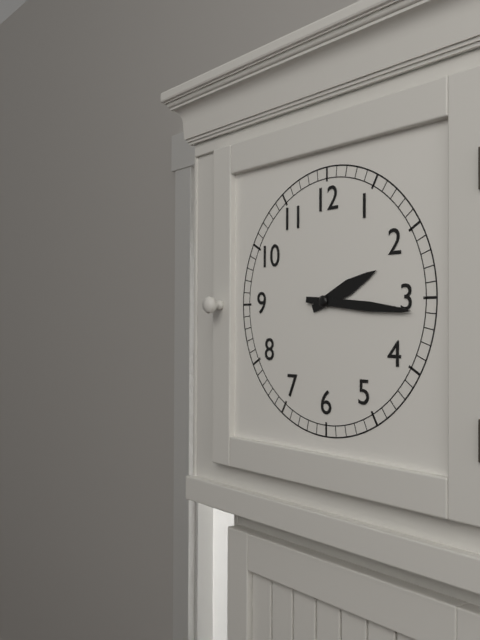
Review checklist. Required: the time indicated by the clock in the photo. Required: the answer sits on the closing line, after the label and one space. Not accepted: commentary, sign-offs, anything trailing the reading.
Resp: 2:16
